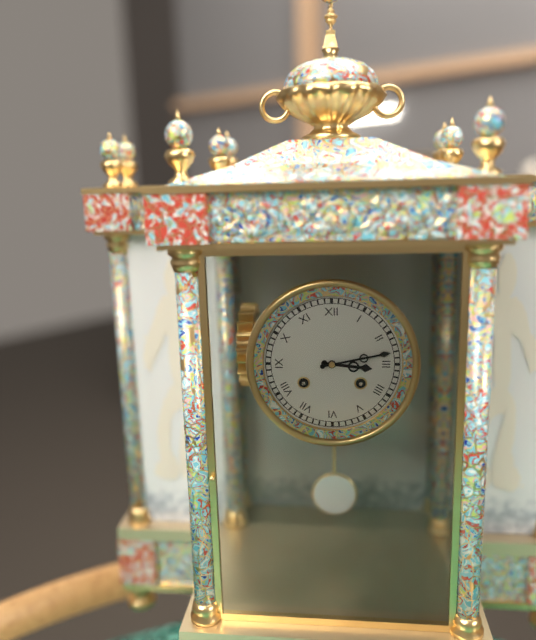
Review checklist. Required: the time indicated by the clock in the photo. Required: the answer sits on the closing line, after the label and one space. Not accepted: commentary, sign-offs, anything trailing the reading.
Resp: 3:13
